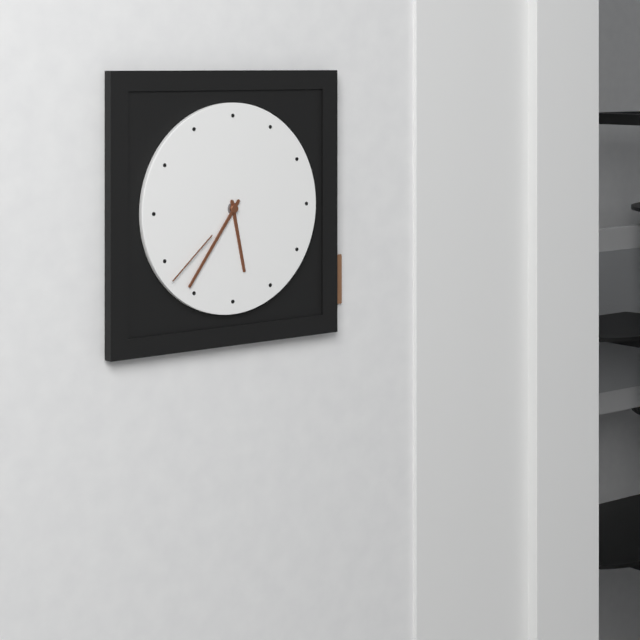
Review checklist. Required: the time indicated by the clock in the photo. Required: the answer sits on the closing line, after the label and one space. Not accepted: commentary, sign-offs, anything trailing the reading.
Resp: 5:36:38
